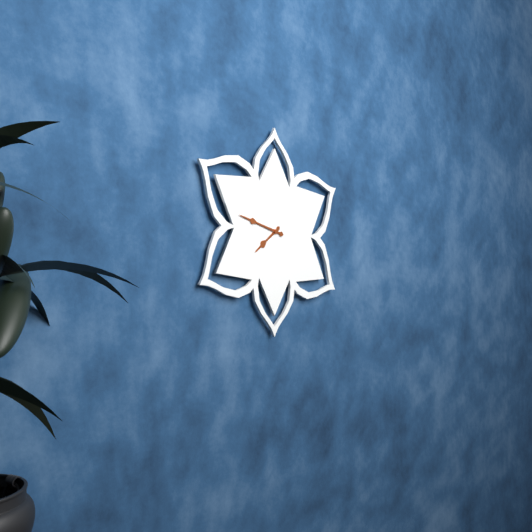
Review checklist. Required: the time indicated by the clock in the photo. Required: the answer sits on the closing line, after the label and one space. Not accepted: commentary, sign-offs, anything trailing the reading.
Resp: 7:47
